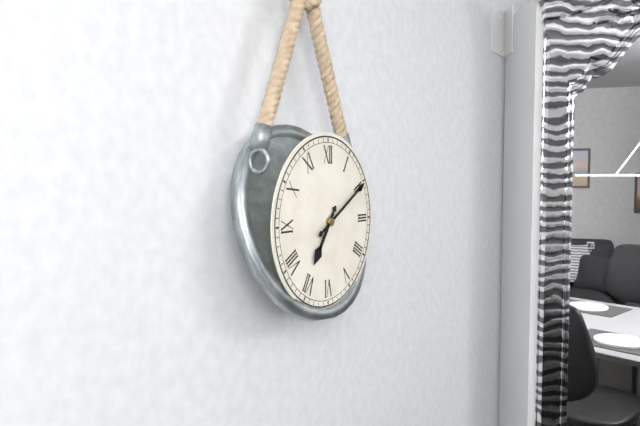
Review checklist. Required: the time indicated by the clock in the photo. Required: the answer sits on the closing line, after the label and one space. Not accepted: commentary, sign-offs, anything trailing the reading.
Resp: 7:10
